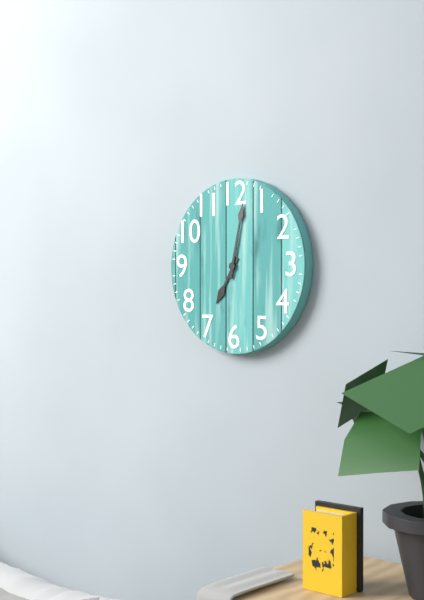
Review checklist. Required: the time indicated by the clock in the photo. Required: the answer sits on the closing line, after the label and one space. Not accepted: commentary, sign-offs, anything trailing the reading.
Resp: 7:02
